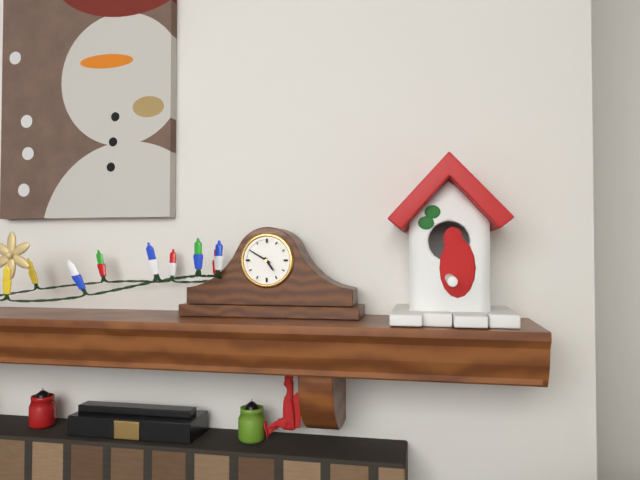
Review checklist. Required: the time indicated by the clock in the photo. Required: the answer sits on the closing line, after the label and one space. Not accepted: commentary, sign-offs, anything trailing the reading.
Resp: 4:50
